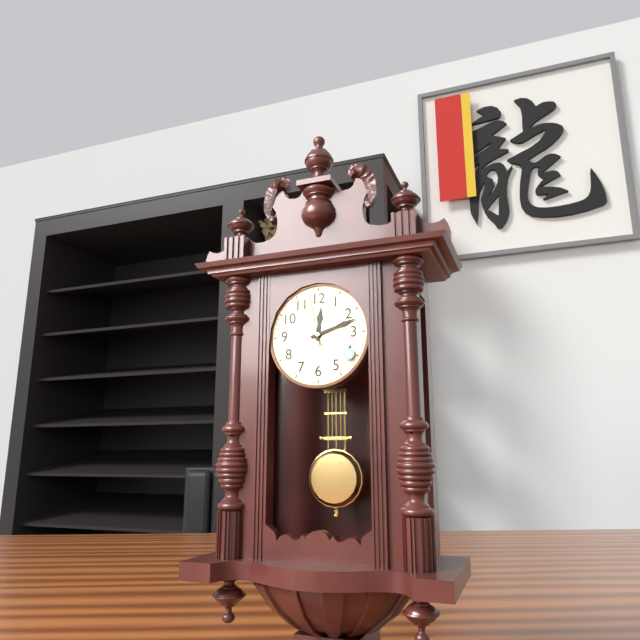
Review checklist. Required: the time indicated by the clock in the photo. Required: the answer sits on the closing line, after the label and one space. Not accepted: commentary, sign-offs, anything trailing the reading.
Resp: 12:12:58
